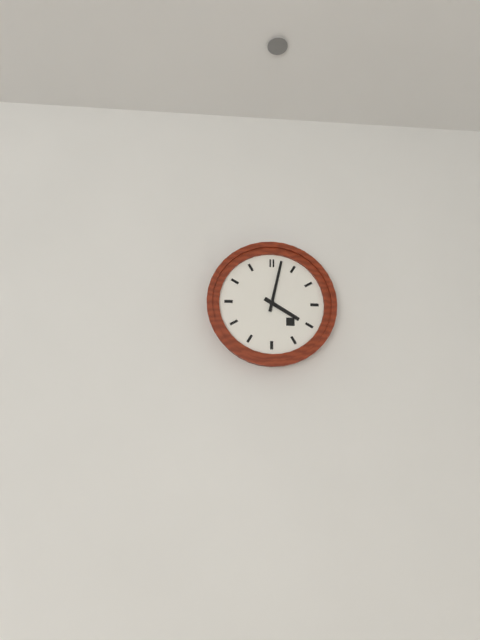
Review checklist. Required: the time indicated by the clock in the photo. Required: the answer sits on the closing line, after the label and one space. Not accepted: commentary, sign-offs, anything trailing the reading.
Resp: 4:02
